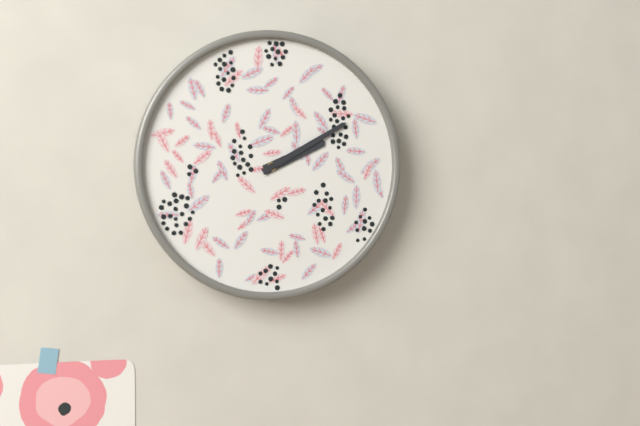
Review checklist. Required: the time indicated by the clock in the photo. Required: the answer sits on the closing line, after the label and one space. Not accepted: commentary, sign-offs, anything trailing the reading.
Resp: 2:10
